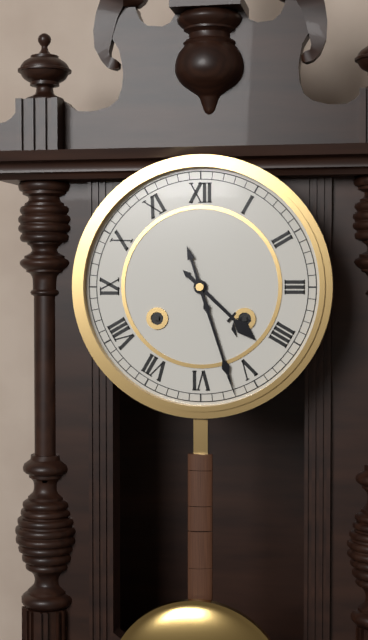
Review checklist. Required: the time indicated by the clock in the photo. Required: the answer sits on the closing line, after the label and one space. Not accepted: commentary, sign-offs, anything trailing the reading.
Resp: 4:27
